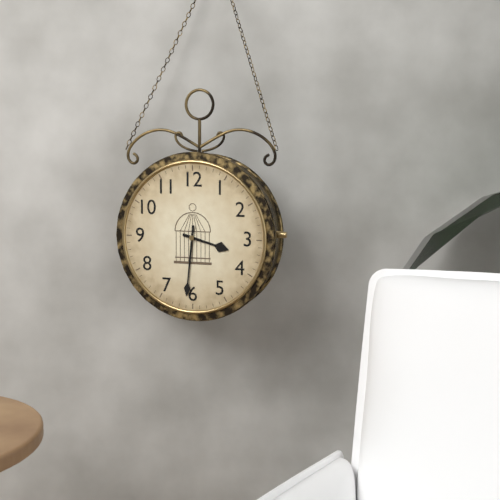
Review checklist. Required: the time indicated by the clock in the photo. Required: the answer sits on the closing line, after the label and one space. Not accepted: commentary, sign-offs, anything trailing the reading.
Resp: 3:31
